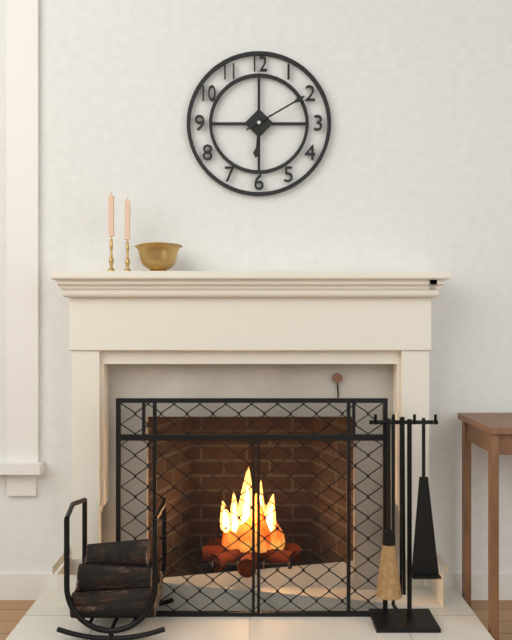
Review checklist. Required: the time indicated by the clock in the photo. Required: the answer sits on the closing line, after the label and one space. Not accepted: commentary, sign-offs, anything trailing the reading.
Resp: 6:10
